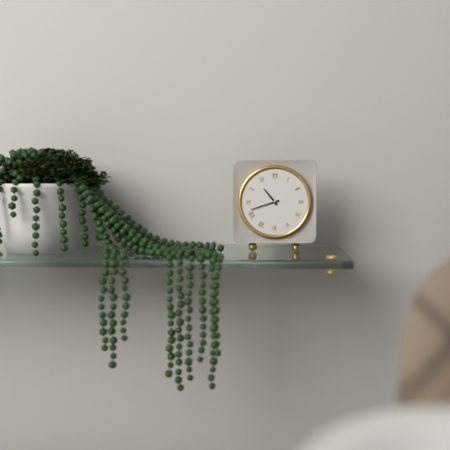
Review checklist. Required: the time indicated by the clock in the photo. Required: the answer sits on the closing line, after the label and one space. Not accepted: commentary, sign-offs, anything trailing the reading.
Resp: 10:42
